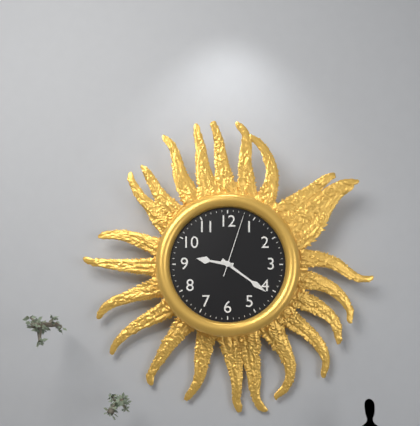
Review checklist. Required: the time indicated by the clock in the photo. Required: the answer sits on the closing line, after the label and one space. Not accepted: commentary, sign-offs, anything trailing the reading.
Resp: 9:21:03
